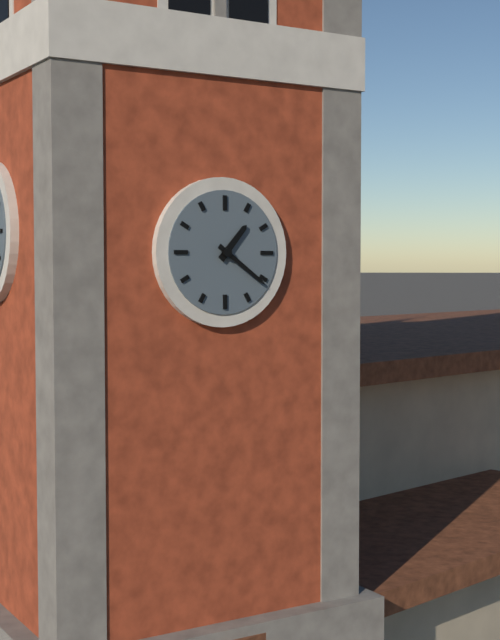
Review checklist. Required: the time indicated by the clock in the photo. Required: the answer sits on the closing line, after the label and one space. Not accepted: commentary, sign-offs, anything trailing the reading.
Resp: 1:21
